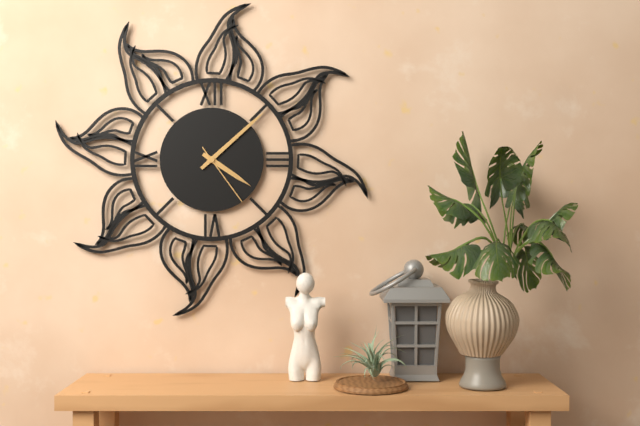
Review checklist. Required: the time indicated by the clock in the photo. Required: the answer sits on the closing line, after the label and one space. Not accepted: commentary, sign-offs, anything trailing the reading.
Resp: 4:08:24
